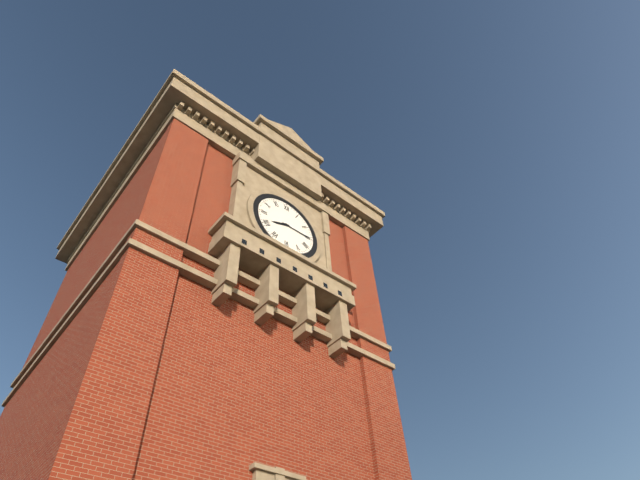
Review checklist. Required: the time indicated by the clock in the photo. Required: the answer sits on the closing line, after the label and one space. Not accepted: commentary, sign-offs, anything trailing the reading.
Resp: 8:15
